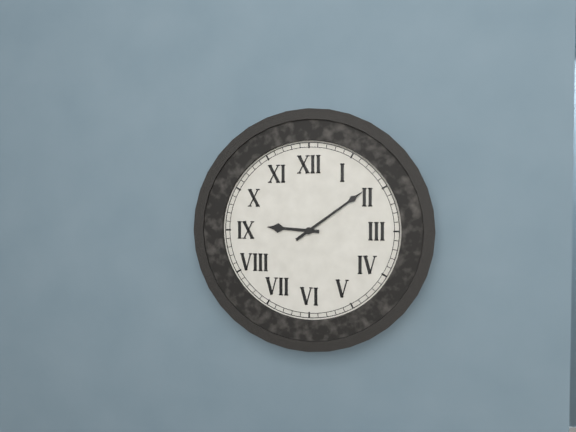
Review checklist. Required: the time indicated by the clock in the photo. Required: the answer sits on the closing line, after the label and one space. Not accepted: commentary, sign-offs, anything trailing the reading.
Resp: 9:09
